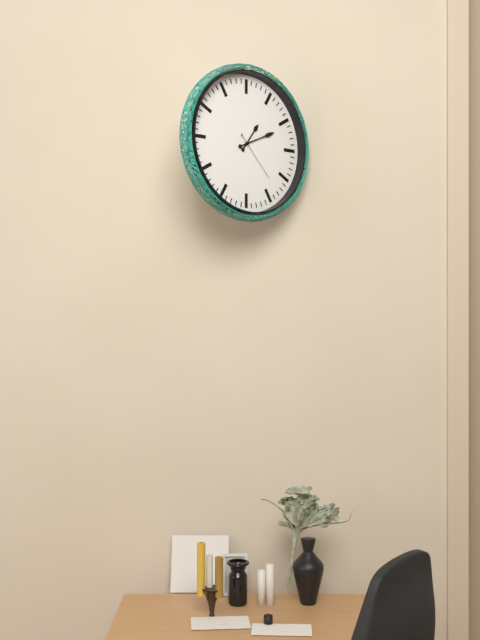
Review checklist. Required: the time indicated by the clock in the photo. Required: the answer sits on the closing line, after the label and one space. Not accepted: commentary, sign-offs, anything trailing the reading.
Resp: 1:11:23
